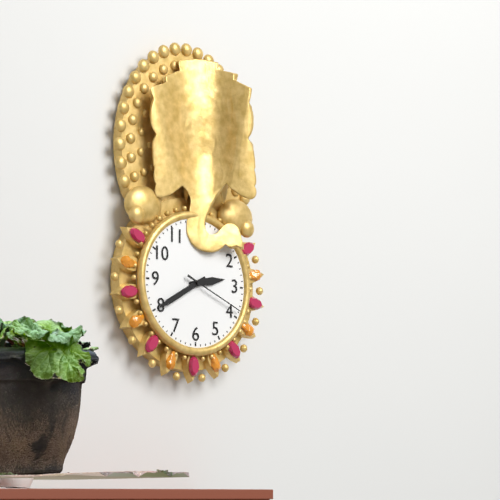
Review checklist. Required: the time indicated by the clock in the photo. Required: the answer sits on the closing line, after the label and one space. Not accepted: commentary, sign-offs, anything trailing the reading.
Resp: 2:40:19
